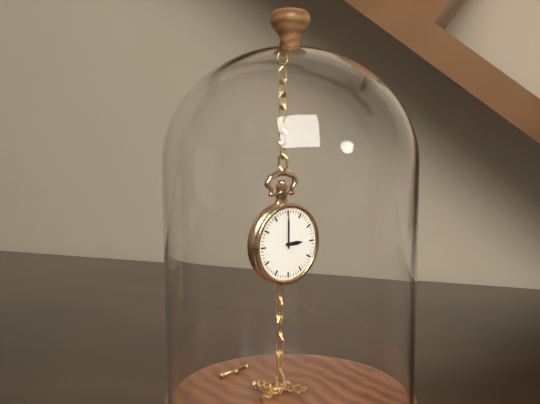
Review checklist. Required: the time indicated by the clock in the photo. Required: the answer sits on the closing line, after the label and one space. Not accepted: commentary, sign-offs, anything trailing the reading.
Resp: 3:00
